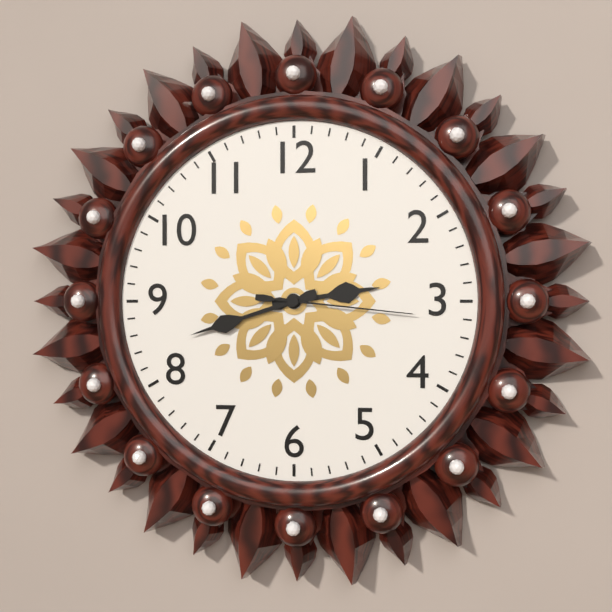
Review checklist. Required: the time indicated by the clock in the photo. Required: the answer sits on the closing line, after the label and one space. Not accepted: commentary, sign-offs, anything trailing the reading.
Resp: 2:42:16
